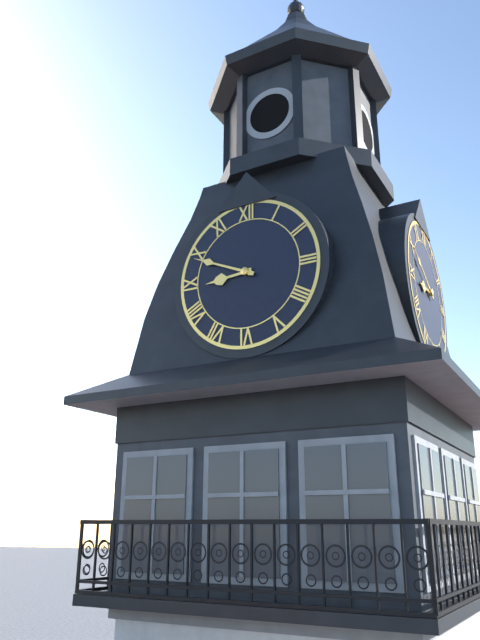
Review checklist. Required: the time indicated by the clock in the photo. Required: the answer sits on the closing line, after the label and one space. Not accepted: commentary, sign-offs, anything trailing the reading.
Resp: 8:49
